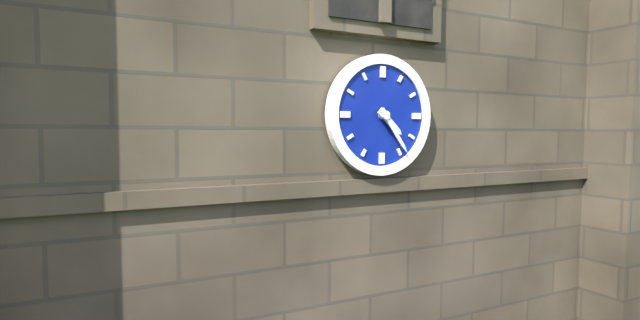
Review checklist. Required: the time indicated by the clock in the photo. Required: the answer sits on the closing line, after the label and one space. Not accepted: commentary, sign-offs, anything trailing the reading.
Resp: 4:24
